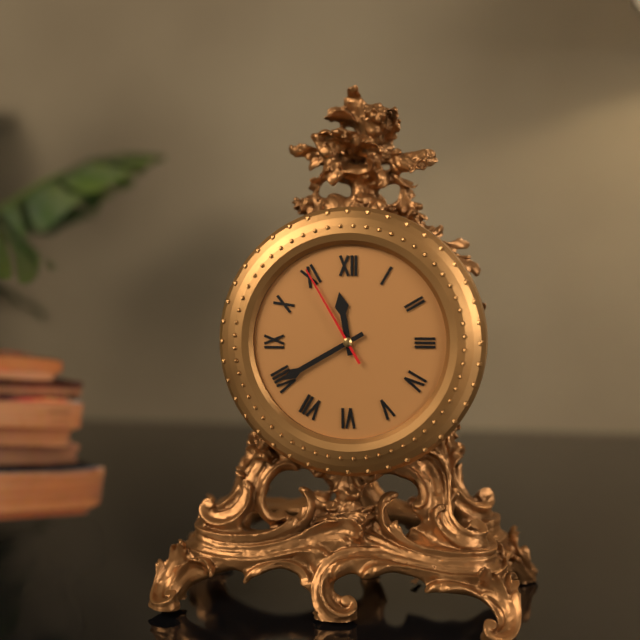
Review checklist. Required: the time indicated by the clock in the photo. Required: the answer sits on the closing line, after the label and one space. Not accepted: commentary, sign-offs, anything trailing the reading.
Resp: 11:40:55
